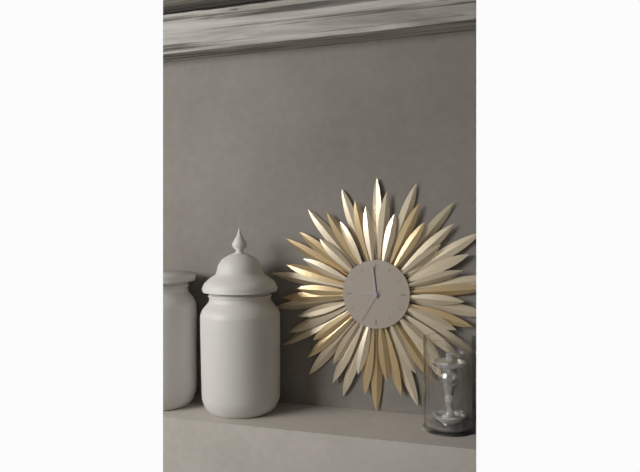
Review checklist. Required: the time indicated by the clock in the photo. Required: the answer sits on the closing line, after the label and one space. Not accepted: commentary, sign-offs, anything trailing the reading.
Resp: 8:59
